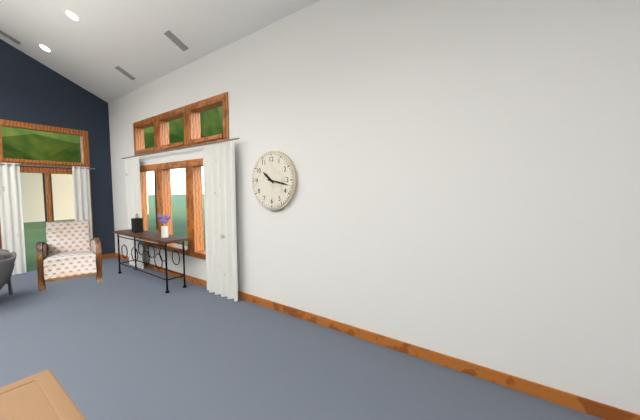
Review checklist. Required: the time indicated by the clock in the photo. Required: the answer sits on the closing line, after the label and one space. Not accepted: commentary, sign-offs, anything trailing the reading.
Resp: 10:17
